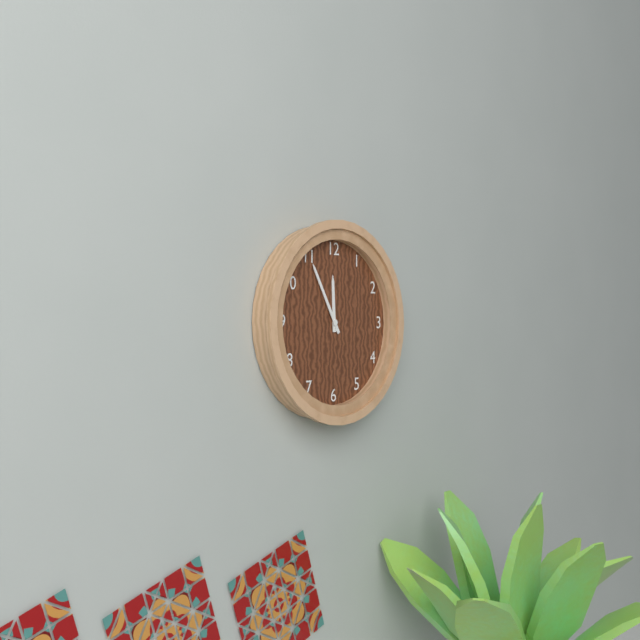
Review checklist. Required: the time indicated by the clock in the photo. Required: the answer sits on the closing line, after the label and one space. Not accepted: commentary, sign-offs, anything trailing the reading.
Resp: 11:55
